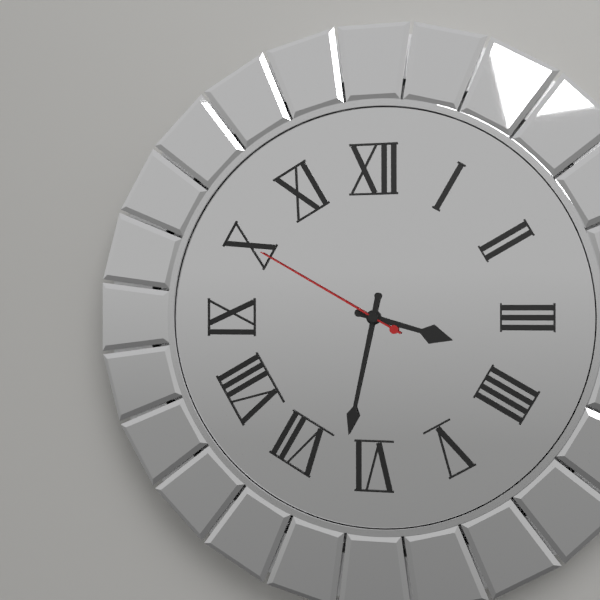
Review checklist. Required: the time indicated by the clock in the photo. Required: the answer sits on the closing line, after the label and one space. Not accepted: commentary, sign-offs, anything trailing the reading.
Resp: 3:32:50
